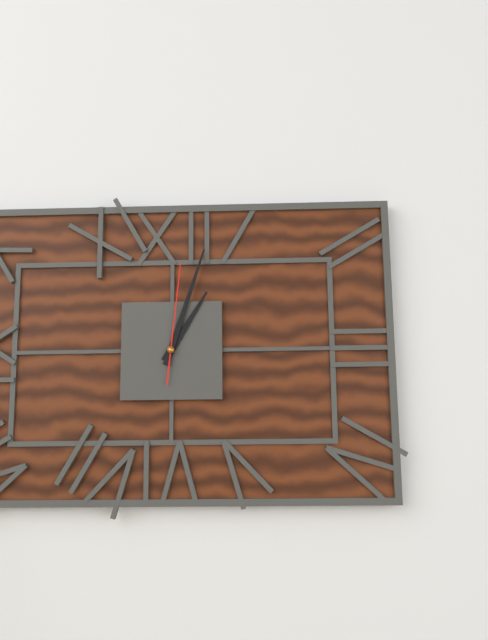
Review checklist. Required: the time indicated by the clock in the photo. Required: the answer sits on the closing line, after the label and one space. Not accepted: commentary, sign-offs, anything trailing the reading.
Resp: 1:03:01
